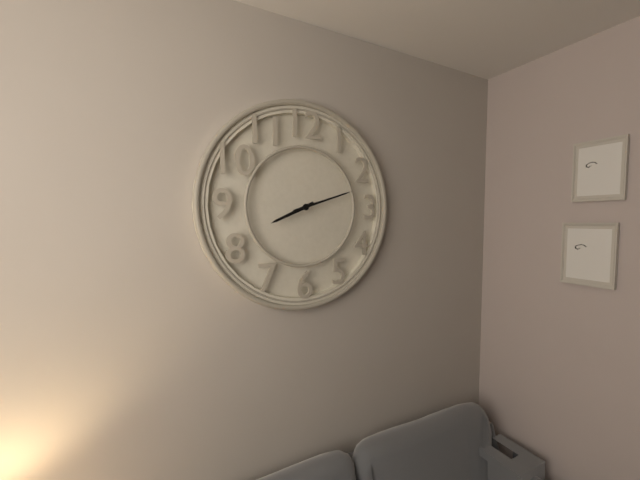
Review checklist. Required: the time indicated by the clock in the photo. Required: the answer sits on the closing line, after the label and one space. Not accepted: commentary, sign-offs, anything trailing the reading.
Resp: 8:12
